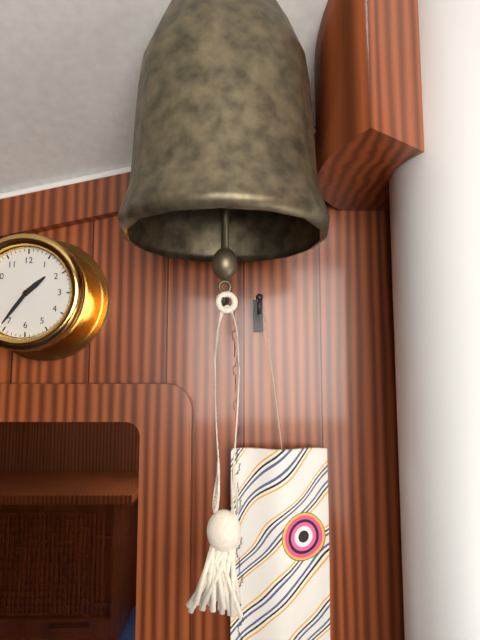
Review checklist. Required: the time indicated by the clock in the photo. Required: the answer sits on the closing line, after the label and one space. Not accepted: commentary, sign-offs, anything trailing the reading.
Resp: 1:36
